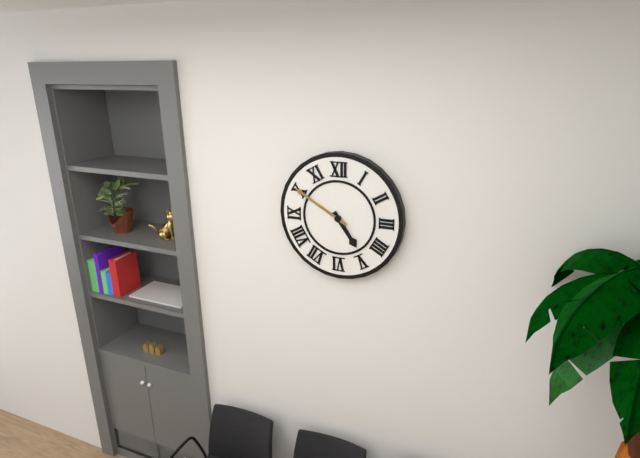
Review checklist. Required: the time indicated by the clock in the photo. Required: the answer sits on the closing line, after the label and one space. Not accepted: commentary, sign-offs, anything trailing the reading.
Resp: 4:50
